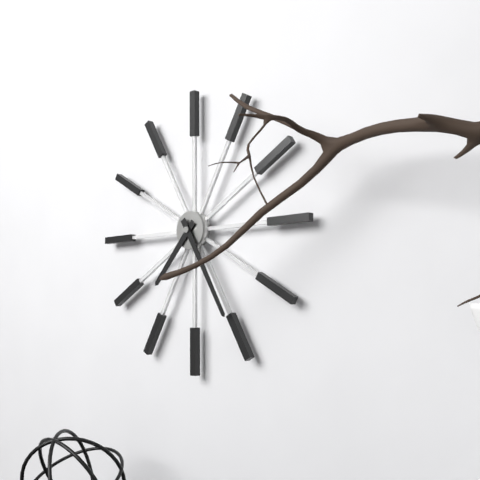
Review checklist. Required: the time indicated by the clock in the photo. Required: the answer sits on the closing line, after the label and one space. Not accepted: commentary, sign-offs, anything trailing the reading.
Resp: 7:25
